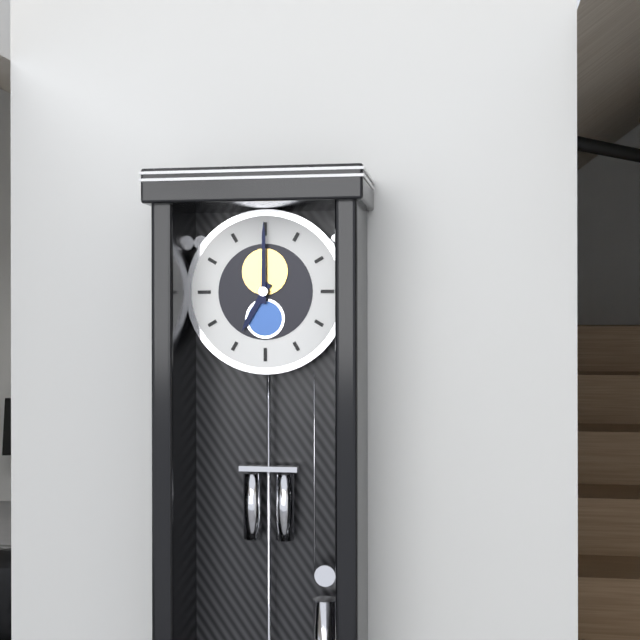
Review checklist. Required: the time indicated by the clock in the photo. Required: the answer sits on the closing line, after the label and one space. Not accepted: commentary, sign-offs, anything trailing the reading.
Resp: 7:00
